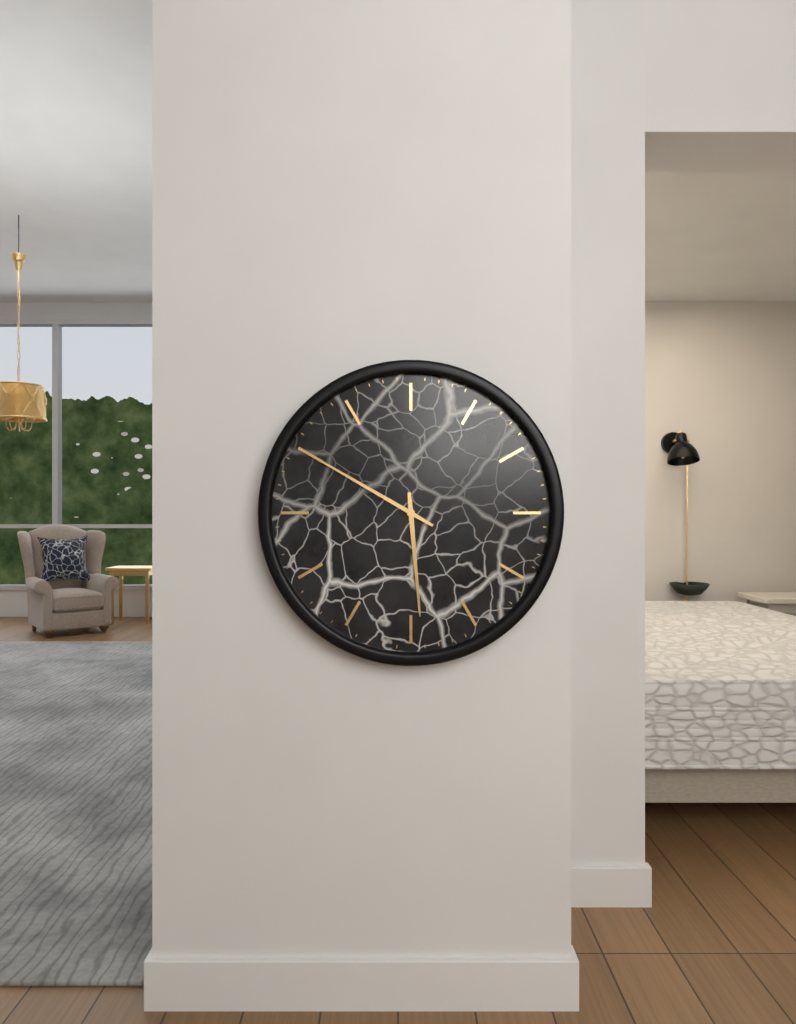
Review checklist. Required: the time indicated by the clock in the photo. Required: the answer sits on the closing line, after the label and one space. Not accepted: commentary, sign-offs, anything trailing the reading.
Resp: 5:50
